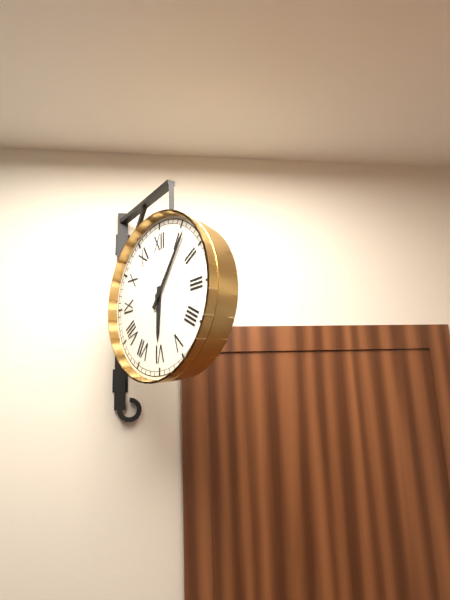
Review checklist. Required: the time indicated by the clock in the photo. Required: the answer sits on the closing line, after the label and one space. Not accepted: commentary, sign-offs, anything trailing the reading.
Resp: 6:06
